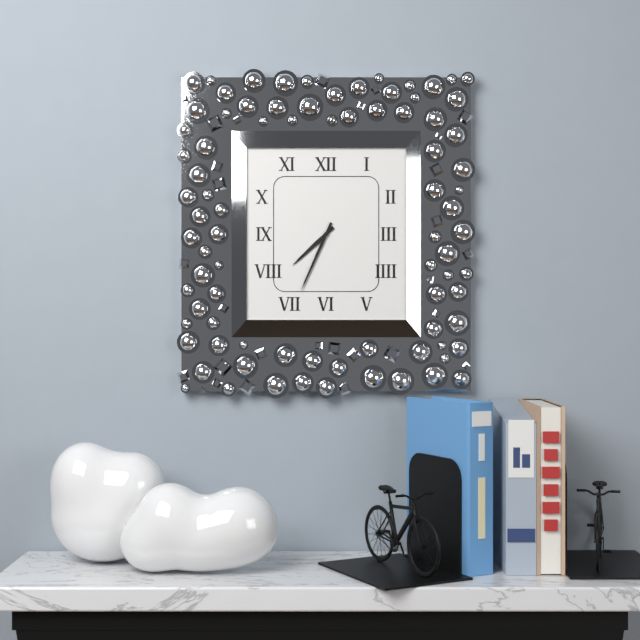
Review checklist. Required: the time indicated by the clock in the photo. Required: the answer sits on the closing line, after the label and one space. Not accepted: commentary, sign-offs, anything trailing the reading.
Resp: 7:34
